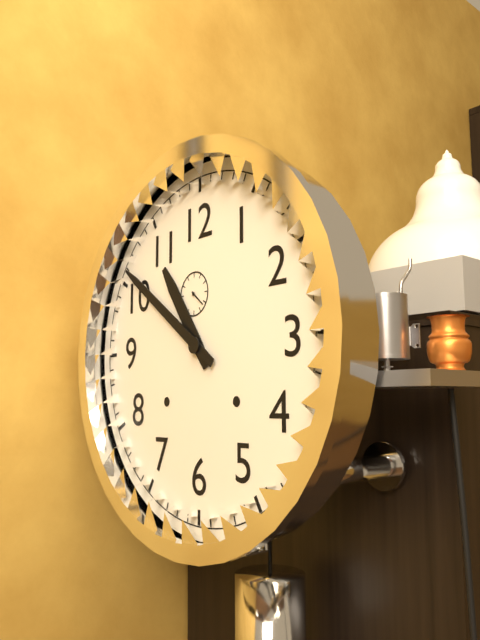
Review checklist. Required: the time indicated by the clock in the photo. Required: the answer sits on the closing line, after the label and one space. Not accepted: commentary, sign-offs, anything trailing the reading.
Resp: 10:51
